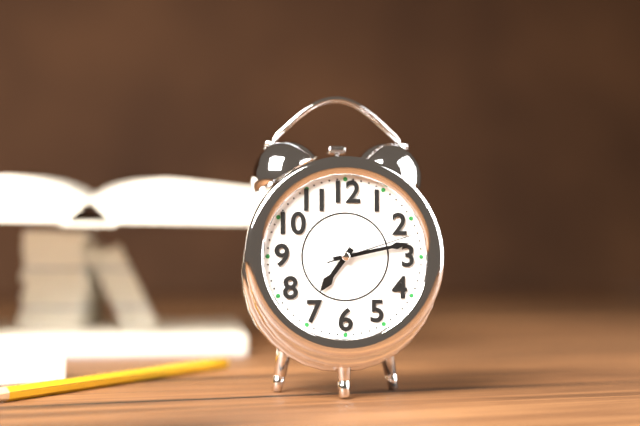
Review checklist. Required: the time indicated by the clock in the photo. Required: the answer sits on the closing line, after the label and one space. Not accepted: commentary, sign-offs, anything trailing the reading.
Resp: 7:13:12
